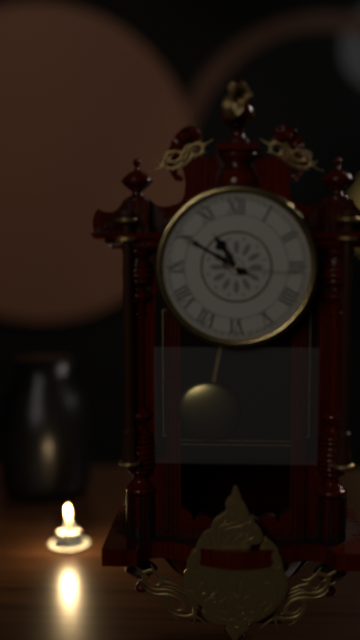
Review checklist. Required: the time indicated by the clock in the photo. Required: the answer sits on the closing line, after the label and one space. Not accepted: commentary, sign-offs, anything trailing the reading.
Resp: 10:50:16
